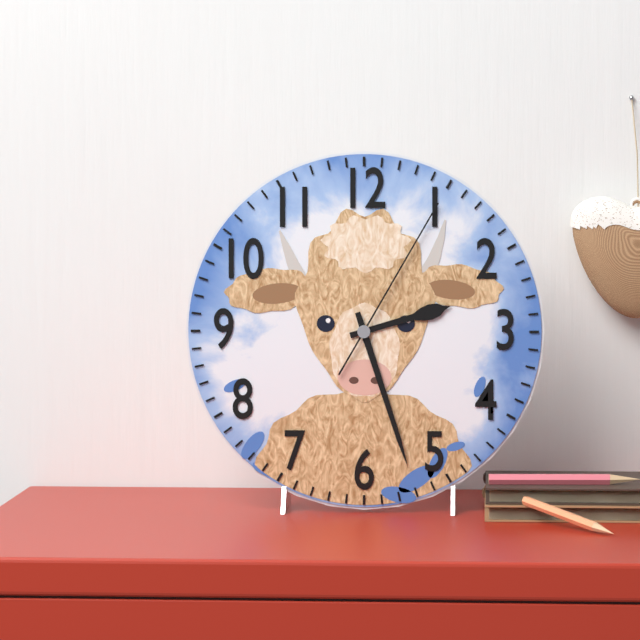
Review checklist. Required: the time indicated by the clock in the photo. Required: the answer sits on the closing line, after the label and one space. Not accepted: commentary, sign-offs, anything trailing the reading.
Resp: 2:27:05
